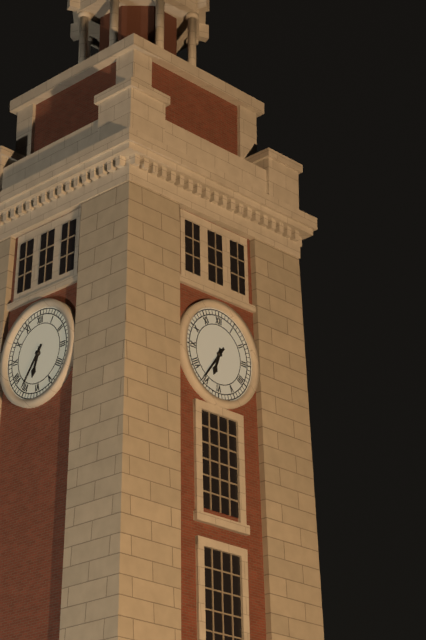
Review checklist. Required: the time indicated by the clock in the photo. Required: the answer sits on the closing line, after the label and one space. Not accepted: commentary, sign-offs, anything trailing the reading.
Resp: 6:36
